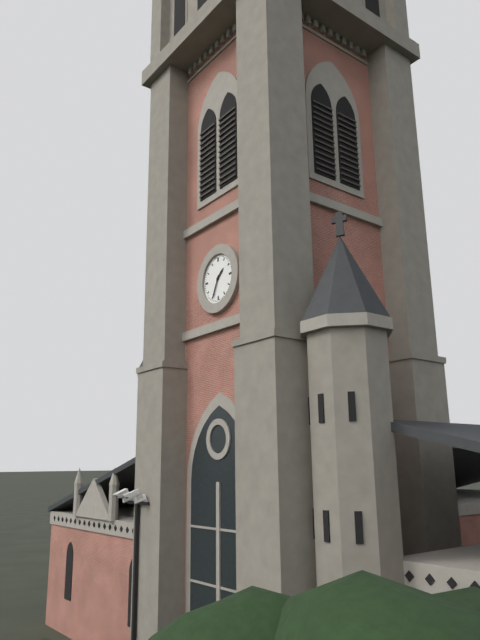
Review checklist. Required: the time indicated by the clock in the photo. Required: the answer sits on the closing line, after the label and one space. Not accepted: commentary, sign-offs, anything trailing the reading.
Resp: 1:34
